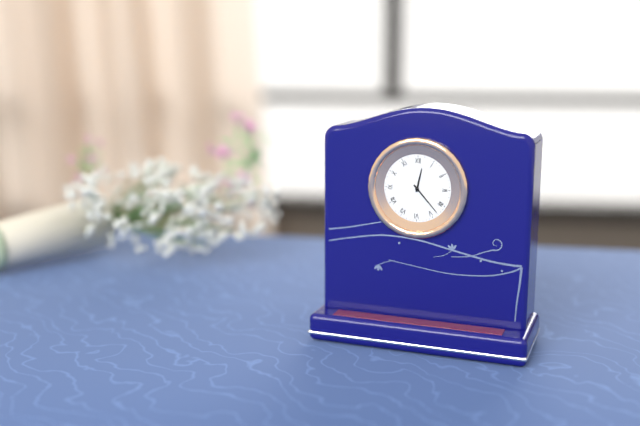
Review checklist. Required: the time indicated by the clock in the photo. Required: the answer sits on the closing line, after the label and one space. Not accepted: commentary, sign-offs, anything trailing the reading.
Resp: 12:23
